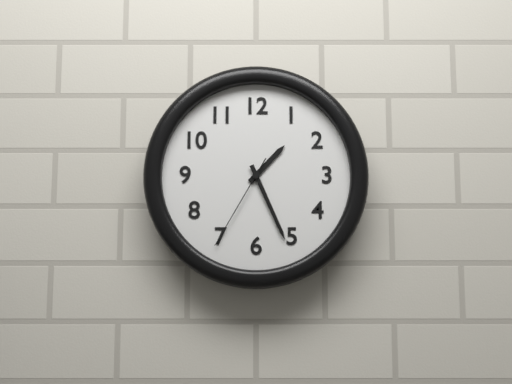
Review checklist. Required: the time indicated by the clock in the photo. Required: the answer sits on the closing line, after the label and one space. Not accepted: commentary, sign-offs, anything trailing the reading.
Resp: 1:26:35
